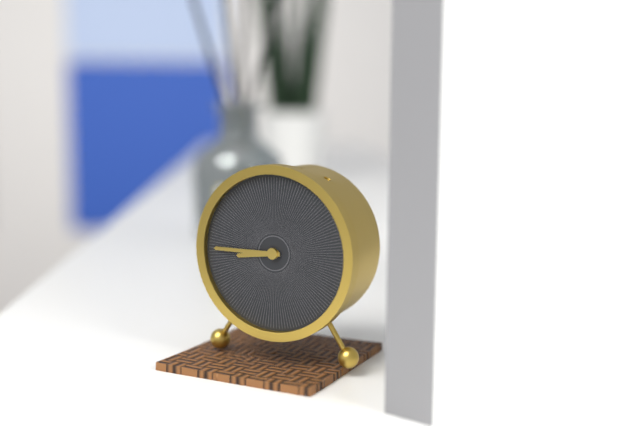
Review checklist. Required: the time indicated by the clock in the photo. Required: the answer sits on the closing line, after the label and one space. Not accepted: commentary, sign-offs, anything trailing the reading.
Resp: 8:45
